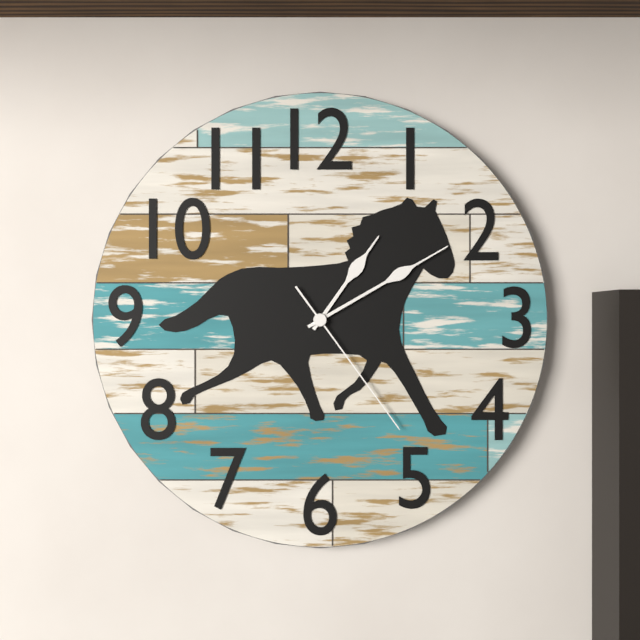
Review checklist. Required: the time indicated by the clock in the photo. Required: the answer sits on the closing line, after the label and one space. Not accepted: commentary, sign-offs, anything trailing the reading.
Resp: 1:10:24
